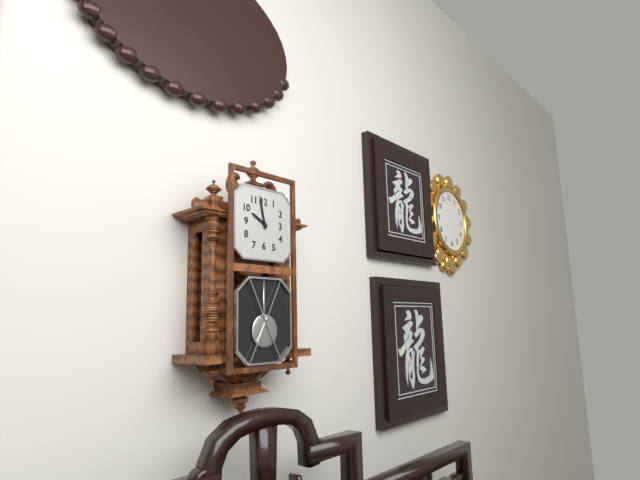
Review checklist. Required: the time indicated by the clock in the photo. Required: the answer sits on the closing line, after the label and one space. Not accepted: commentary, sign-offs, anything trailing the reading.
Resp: 9:58
